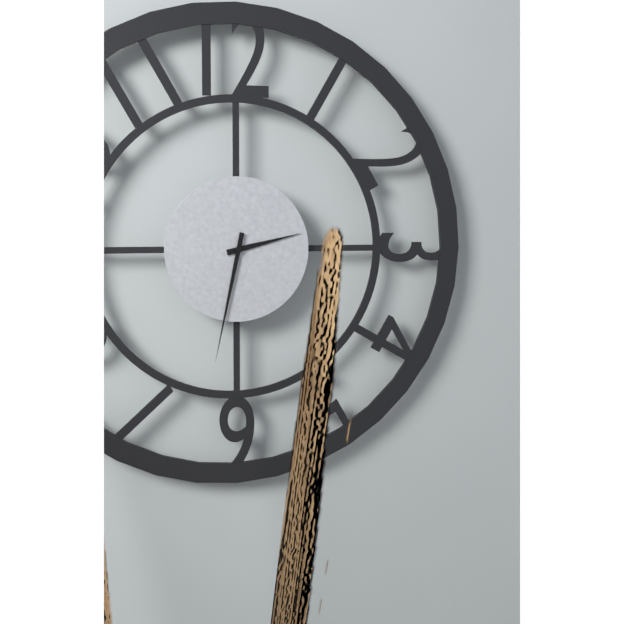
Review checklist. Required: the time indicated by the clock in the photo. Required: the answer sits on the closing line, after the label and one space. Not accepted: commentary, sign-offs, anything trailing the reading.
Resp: 2:32
